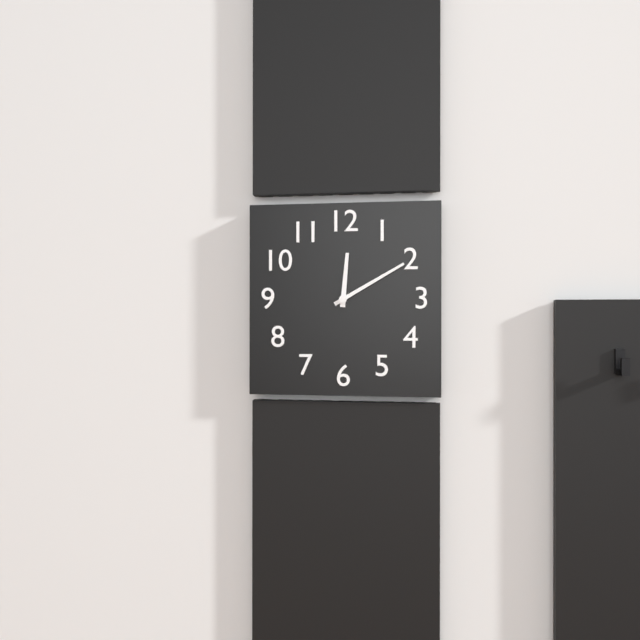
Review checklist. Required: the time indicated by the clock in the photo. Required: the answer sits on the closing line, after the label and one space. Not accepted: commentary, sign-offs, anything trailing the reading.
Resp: 12:10
